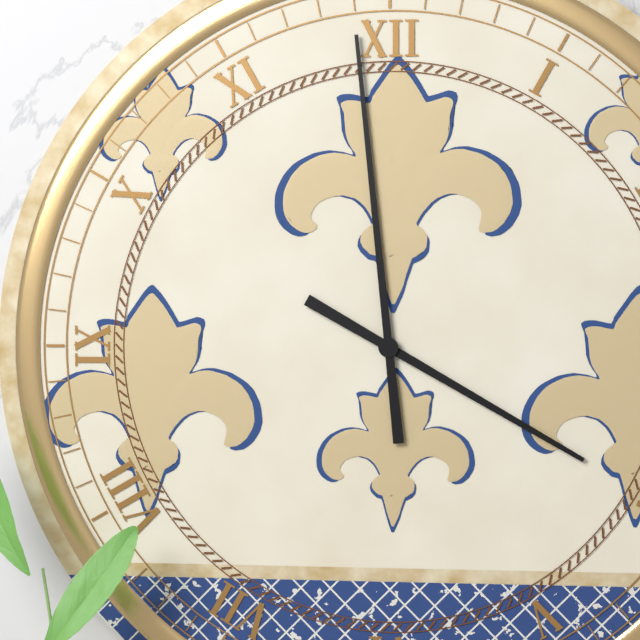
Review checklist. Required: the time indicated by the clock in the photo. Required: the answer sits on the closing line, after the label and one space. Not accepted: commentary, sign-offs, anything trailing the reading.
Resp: 3:59
